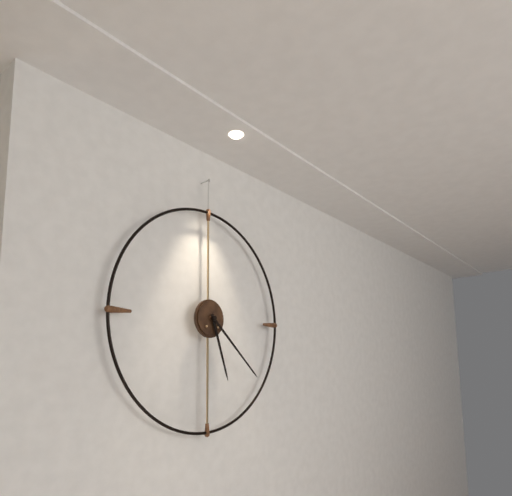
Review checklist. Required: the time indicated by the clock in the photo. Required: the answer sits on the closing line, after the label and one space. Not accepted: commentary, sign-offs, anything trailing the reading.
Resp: 5:22
